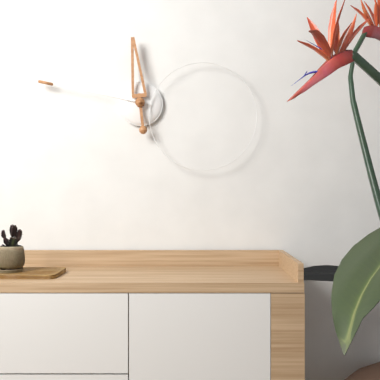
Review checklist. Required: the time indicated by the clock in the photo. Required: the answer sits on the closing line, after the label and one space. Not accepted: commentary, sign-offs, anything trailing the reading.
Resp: 11:47
